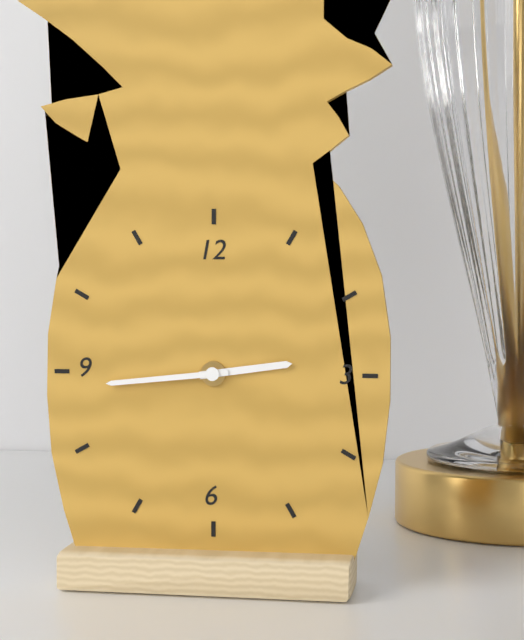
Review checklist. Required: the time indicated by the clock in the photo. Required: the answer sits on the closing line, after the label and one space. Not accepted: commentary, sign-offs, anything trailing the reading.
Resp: 2:44
